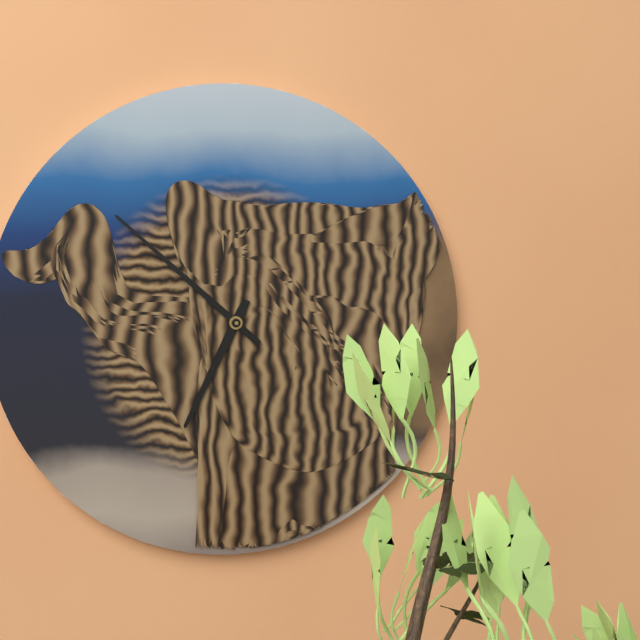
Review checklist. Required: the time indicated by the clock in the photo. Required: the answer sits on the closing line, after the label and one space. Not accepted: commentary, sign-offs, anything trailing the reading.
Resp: 6:52
